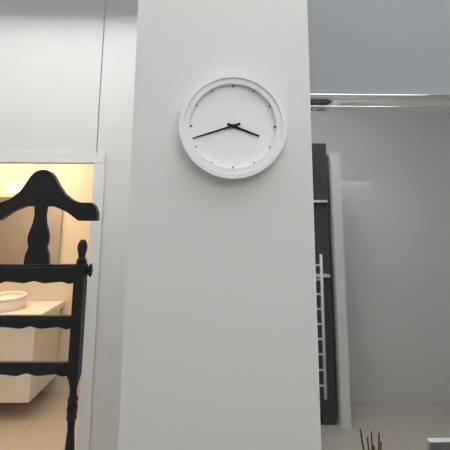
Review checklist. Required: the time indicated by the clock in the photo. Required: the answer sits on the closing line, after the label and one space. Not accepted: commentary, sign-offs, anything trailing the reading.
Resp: 3:42
